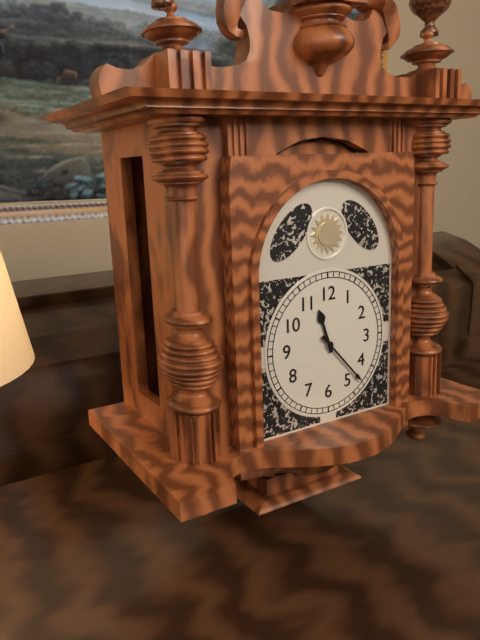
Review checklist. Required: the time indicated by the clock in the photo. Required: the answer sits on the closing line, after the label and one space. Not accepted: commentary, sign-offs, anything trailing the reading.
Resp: 11:23
